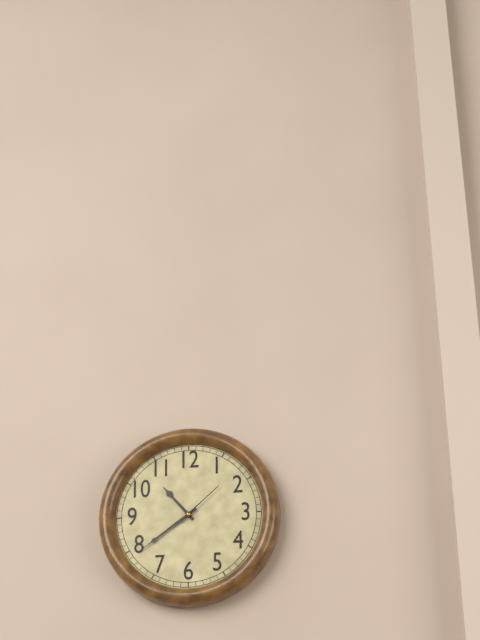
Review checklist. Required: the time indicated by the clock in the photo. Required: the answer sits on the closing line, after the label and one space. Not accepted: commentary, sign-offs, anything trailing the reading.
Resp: 10:39:08
